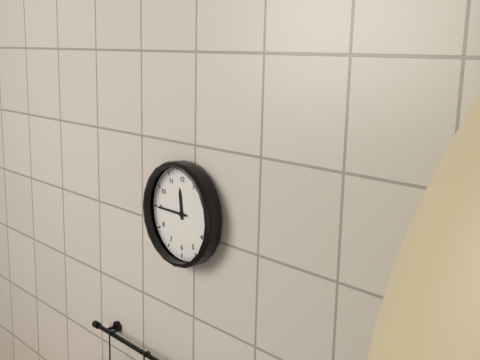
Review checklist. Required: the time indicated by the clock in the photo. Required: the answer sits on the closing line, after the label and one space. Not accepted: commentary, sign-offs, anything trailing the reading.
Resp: 11:45
